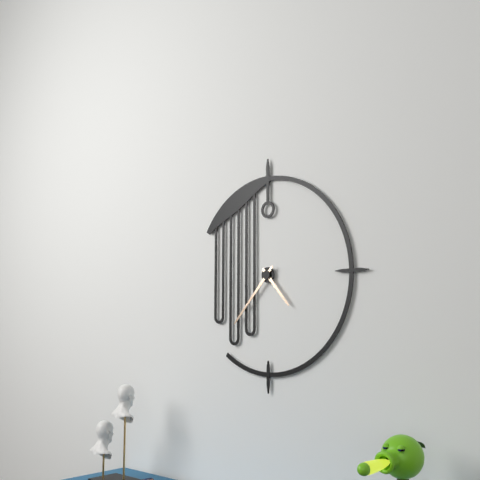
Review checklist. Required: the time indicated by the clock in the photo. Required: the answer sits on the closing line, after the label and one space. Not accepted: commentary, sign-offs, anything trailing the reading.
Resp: 4:37
